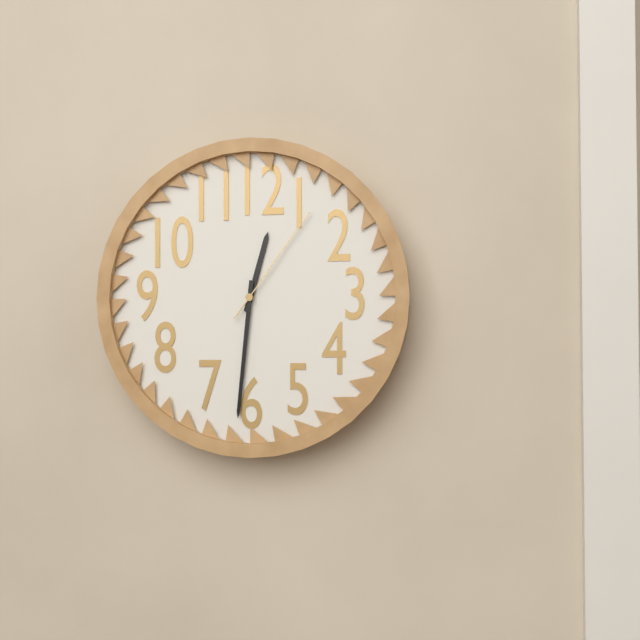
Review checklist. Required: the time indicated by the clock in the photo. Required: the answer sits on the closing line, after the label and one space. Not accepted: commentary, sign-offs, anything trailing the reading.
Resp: 12:31:06
